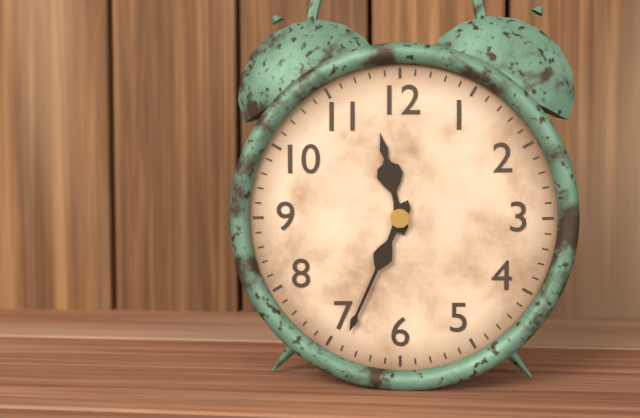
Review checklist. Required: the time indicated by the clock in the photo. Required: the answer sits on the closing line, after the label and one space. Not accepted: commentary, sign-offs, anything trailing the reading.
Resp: 11:34
